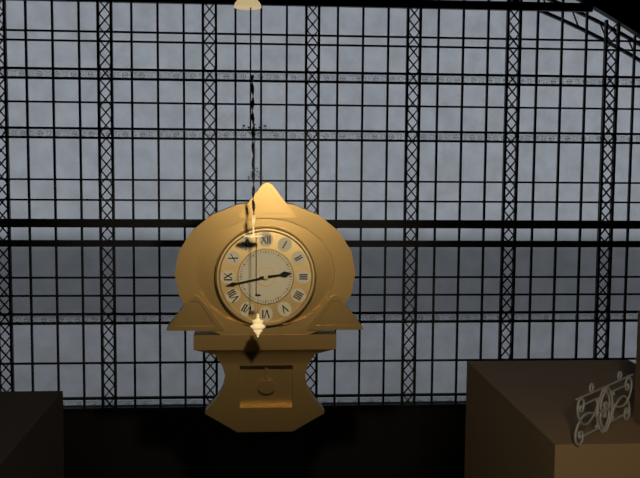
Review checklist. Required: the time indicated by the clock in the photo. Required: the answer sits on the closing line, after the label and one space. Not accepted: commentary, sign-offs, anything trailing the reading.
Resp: 2:43
